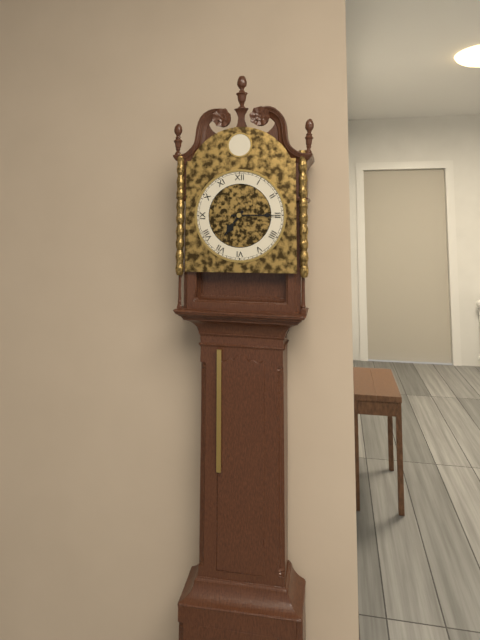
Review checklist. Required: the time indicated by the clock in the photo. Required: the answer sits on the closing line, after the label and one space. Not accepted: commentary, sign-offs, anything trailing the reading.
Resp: 7:15
